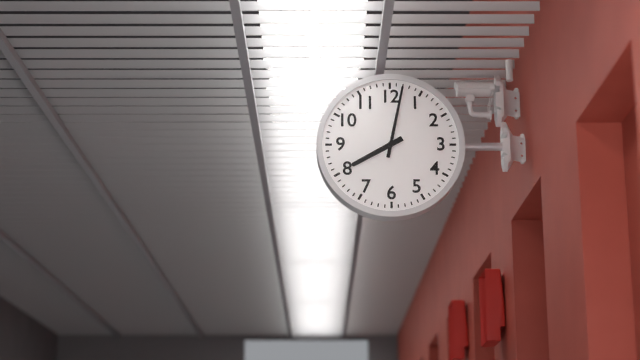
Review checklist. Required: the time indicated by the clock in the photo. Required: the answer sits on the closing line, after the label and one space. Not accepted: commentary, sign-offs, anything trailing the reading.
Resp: 8:02
